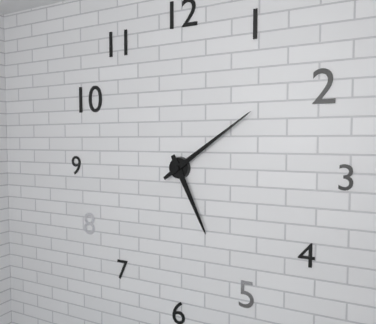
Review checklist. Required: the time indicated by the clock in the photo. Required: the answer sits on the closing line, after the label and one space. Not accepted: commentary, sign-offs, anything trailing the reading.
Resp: 5:09
